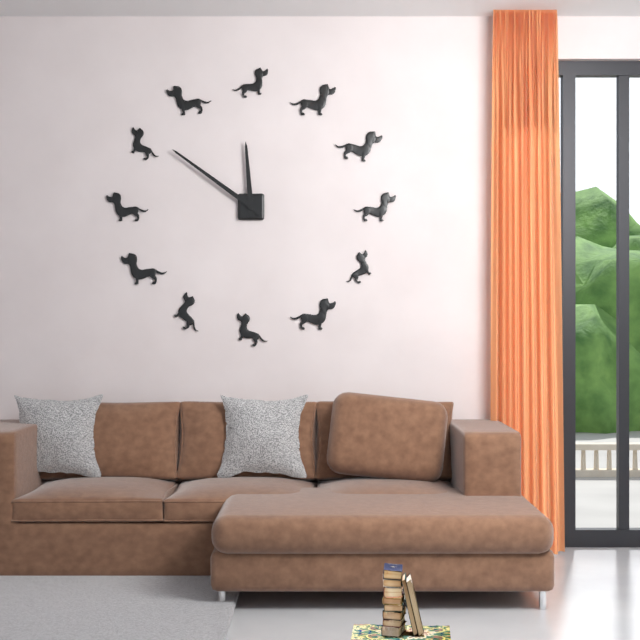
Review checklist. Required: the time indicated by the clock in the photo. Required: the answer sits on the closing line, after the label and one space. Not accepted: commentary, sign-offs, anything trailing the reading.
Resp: 11:51
